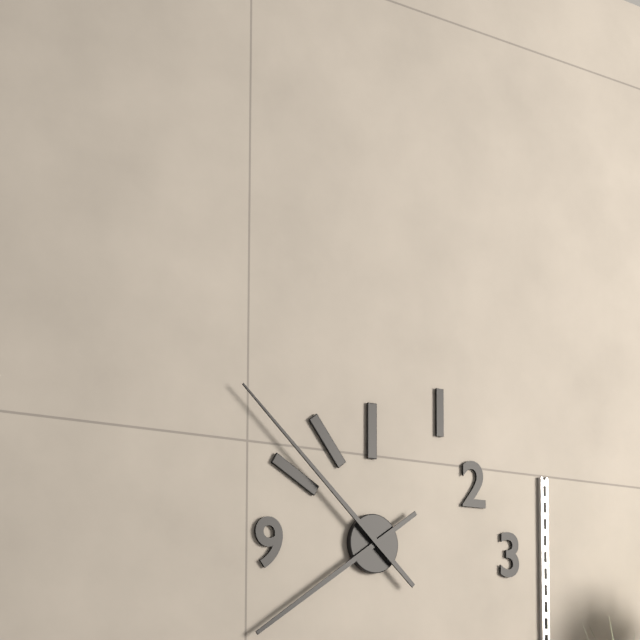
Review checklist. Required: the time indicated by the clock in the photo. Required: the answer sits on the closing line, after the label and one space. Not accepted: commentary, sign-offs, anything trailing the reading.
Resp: 7:52
